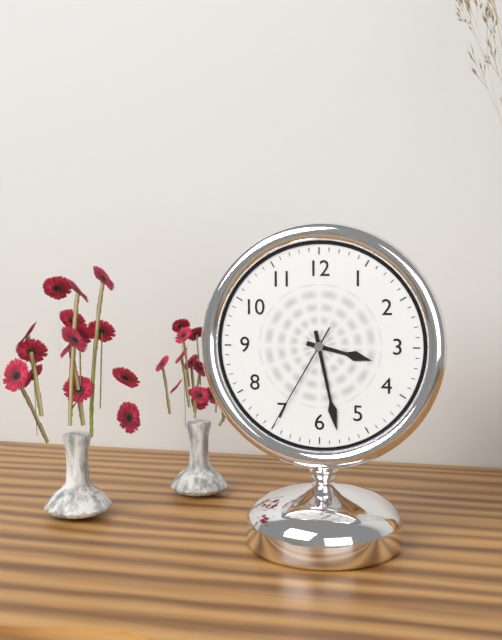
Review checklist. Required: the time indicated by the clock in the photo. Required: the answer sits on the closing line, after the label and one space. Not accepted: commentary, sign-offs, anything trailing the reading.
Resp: 3:28:35
